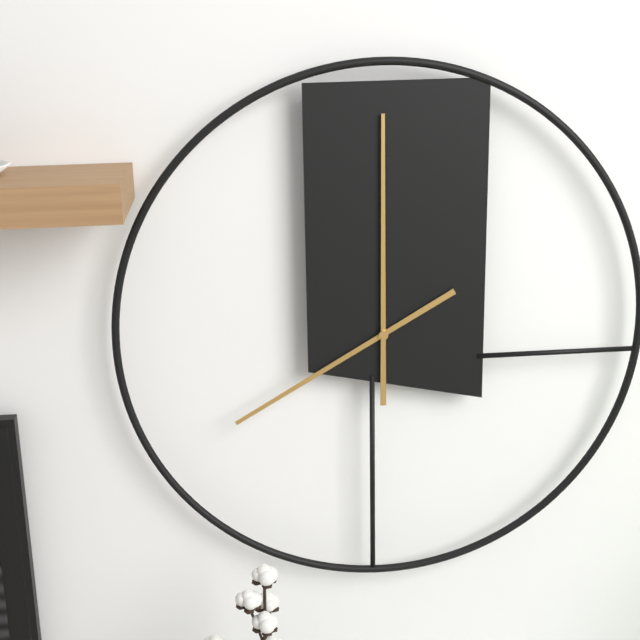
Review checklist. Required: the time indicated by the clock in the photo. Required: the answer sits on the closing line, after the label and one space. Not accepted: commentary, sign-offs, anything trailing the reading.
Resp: 8:00
